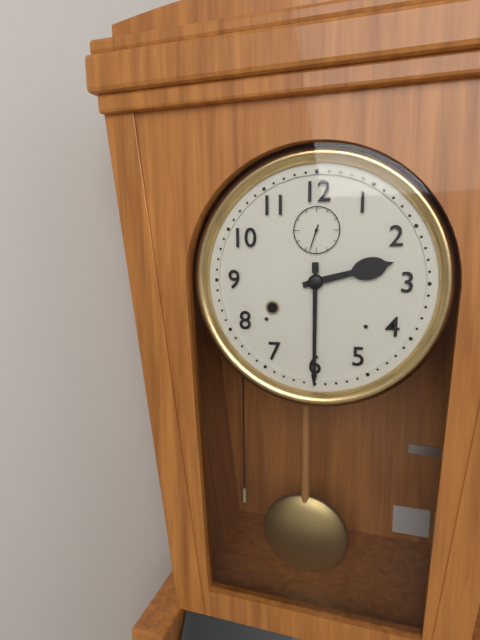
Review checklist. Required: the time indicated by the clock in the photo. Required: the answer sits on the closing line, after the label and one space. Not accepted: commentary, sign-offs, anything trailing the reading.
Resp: 2:30
